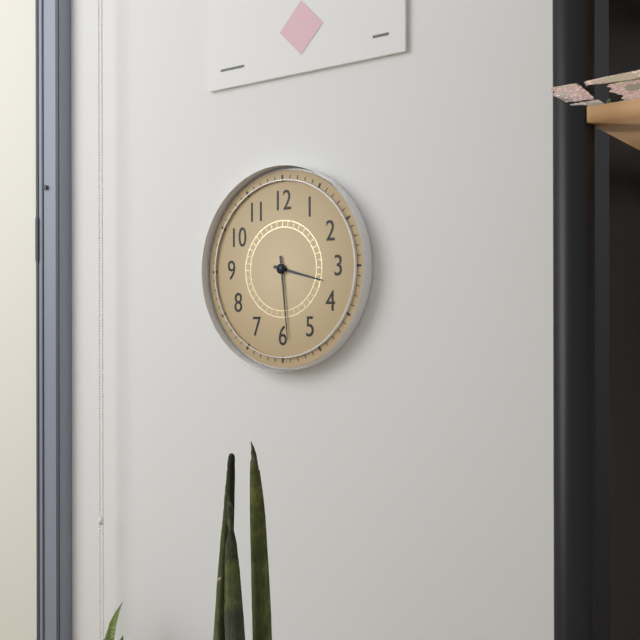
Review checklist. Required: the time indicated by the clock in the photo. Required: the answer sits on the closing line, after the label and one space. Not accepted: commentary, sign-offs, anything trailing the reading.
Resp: 3:29
